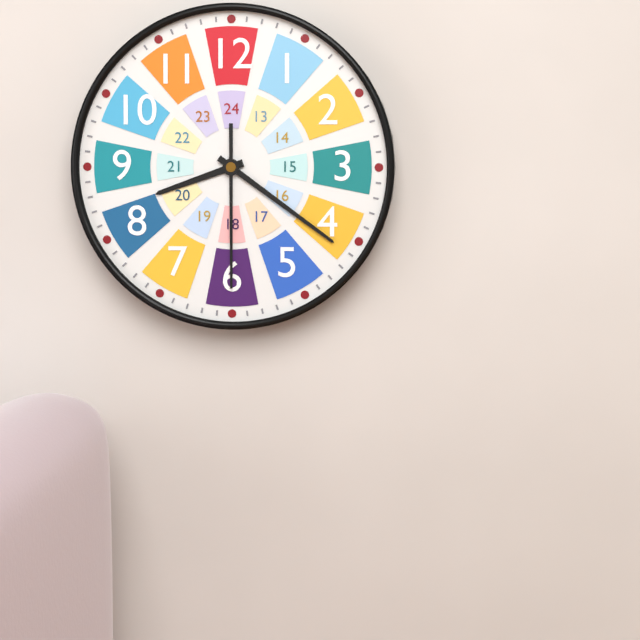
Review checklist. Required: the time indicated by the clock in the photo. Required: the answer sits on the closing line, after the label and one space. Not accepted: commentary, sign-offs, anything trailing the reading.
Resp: 8:21:30
